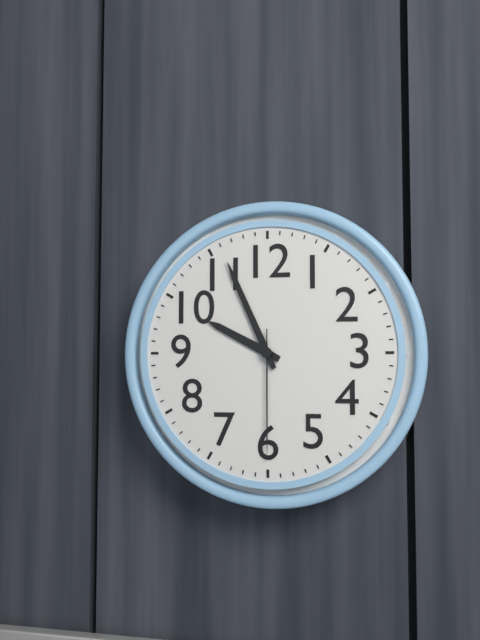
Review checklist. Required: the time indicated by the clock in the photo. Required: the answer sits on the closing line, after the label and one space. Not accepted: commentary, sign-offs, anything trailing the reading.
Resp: 9:56:30
